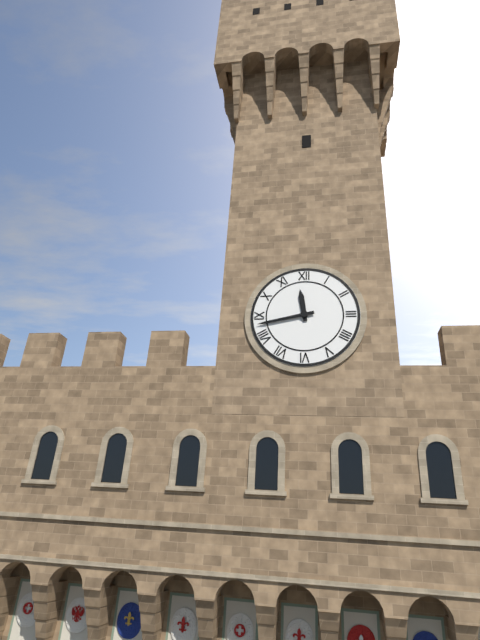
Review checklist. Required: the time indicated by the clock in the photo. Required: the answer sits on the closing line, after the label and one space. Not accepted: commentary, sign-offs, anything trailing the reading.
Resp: 11:43
